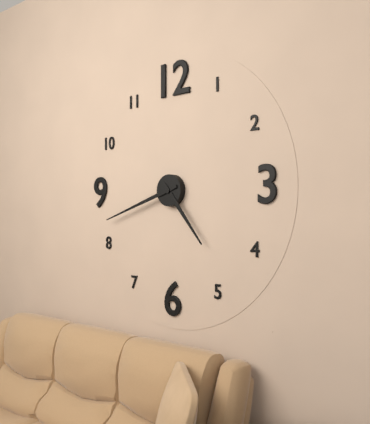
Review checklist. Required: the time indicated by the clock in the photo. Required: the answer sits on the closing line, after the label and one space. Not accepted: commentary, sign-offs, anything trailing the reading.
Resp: 4:42
